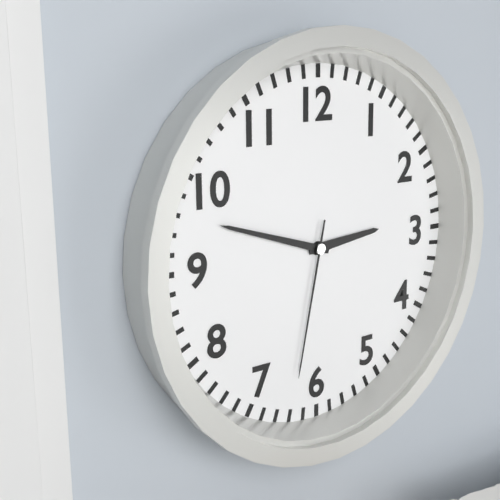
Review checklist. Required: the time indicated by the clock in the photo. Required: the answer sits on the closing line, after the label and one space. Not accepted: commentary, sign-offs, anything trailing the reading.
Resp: 2:48:32
